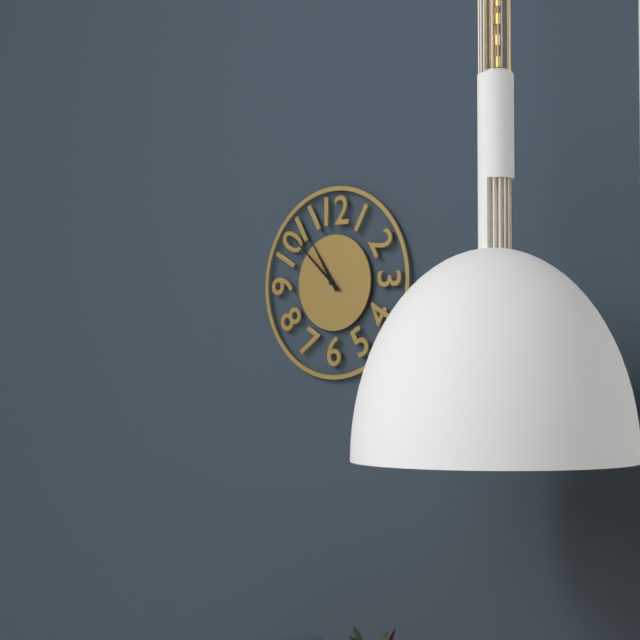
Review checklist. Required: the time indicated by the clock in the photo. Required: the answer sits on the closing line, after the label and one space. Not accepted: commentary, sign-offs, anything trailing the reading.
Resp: 10:52
